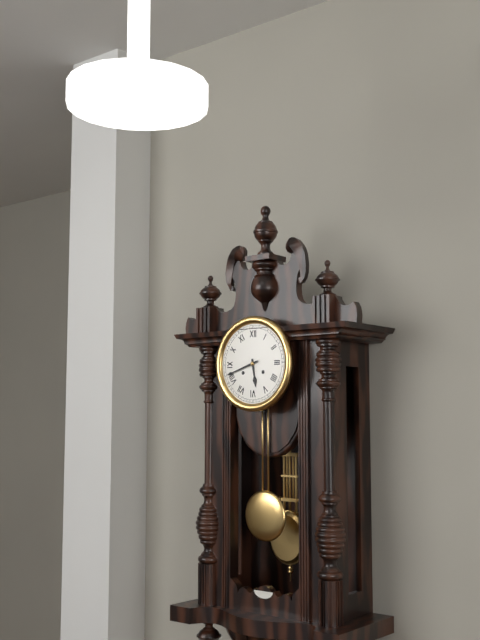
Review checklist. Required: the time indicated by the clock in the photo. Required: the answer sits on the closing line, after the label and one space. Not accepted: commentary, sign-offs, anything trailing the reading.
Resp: 5:42
